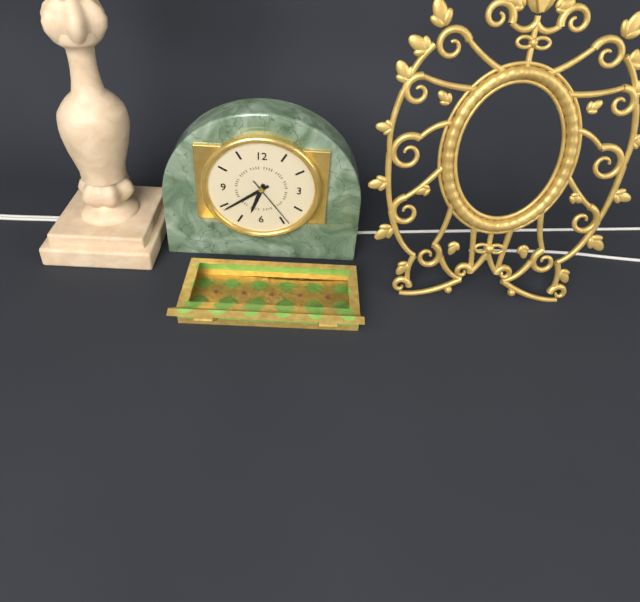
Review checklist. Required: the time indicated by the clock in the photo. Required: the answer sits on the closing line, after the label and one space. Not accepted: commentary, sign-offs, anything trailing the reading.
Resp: 6:39:24
